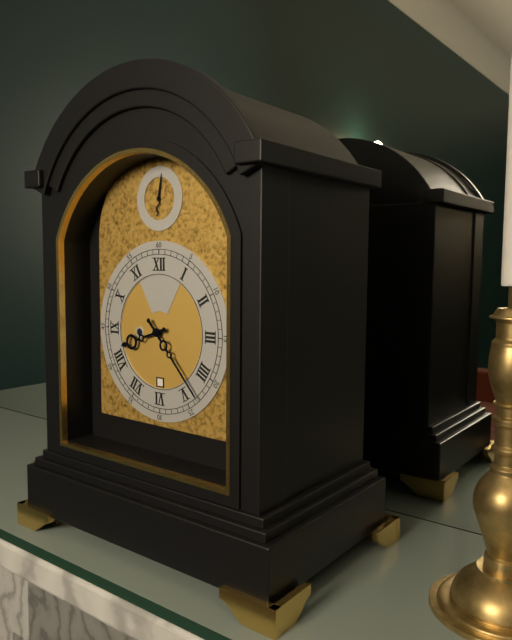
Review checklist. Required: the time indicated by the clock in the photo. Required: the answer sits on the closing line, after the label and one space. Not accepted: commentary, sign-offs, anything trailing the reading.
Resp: 8:23
